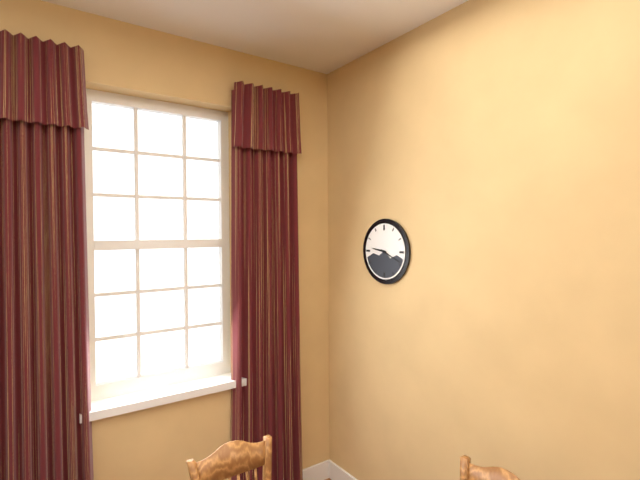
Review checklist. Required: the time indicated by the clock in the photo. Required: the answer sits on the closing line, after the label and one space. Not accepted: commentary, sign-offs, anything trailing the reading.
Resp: 9:19
